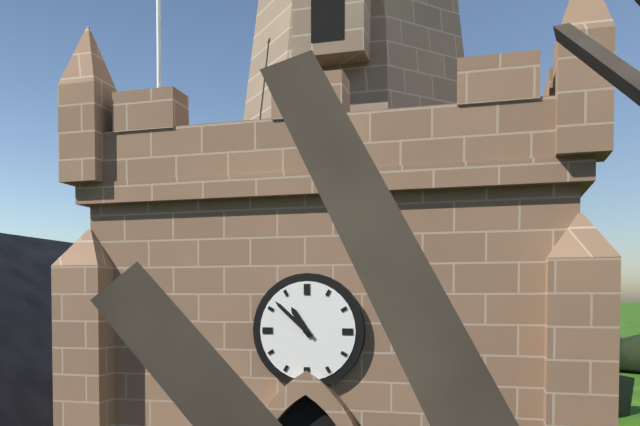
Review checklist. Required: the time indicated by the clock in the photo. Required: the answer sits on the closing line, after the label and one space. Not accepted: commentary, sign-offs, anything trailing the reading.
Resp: 10:52
